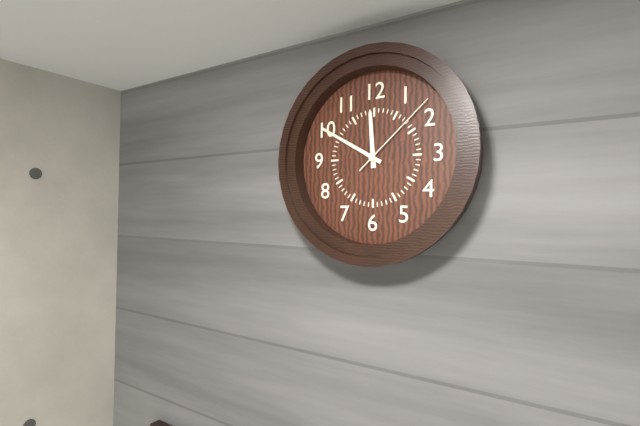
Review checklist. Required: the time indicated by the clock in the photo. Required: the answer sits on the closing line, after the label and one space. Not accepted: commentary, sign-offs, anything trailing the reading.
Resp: 11:50:08
